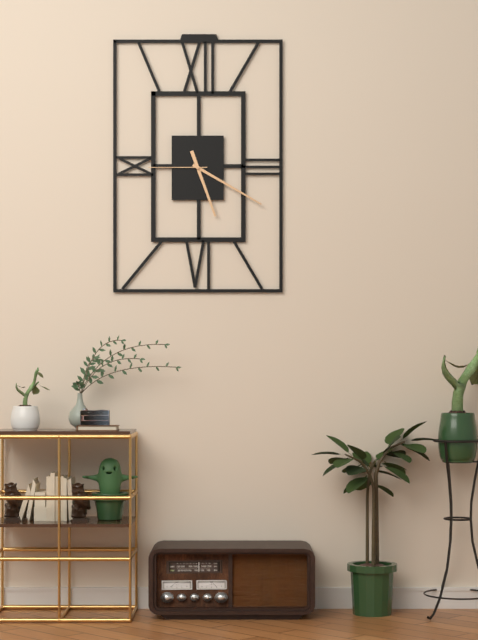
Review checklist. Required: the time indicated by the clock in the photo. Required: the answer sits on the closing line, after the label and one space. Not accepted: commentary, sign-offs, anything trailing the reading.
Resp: 5:20:45
